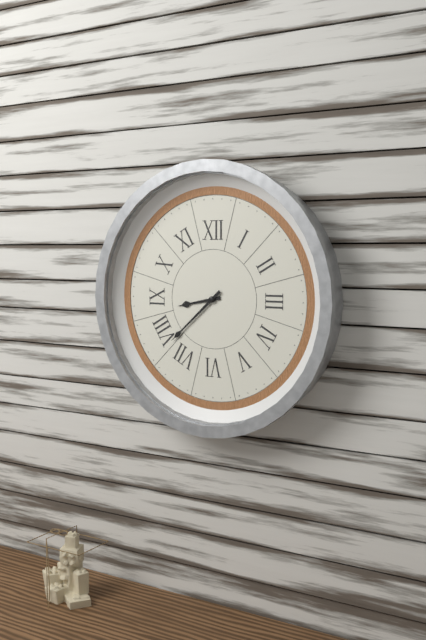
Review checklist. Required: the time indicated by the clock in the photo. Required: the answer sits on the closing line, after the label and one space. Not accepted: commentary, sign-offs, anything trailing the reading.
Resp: 8:38
